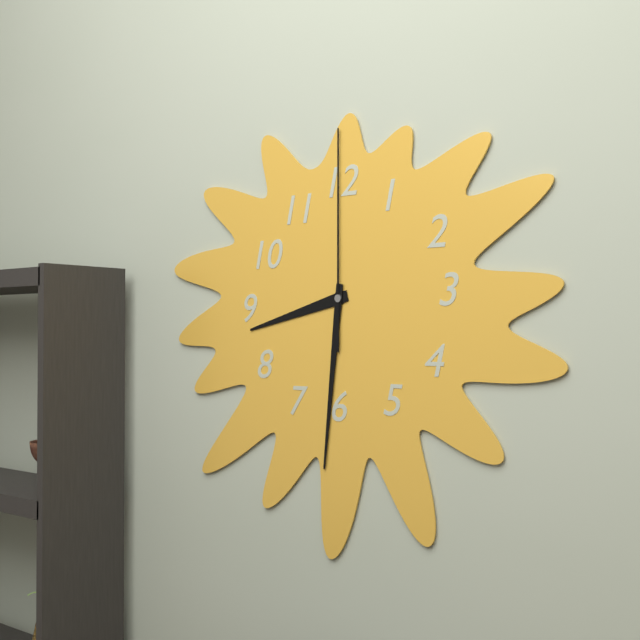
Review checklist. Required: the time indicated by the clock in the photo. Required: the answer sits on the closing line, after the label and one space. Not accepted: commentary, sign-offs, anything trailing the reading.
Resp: 8:31:00
